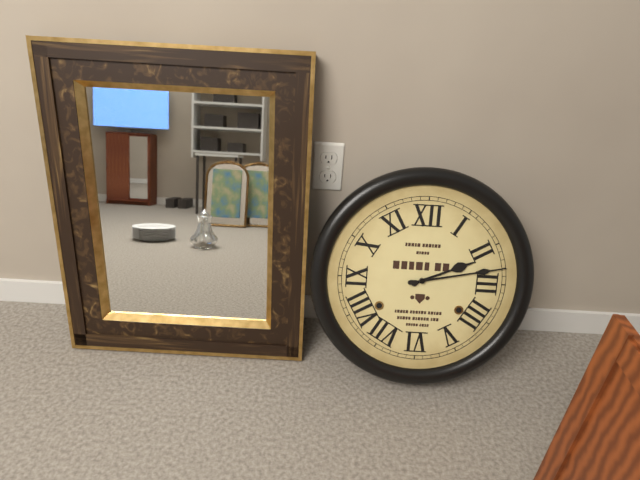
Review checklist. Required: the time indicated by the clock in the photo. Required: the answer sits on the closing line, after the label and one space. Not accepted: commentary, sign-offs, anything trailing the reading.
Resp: 2:13
